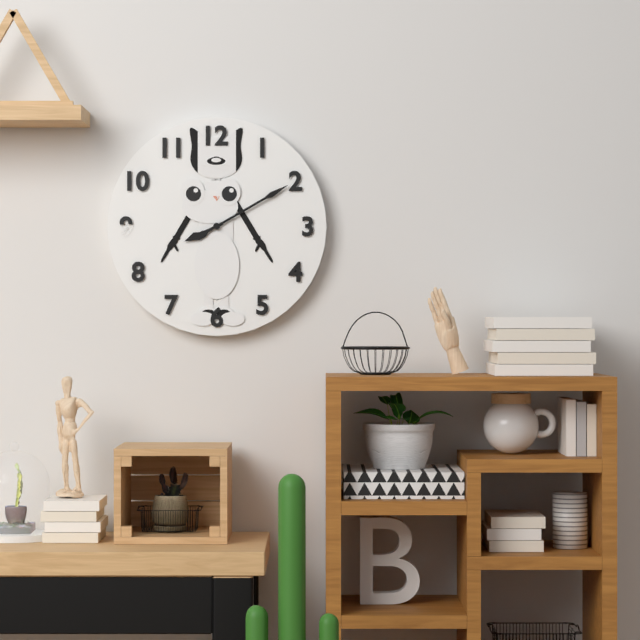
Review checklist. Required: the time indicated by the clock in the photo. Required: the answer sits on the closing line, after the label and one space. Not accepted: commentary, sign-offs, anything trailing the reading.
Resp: 8:10
